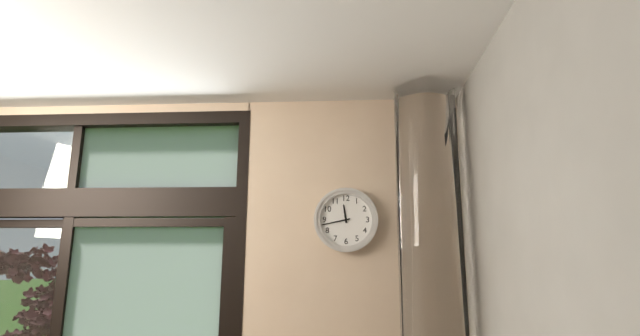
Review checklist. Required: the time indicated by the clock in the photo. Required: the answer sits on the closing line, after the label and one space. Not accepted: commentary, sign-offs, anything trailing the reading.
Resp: 11:43
